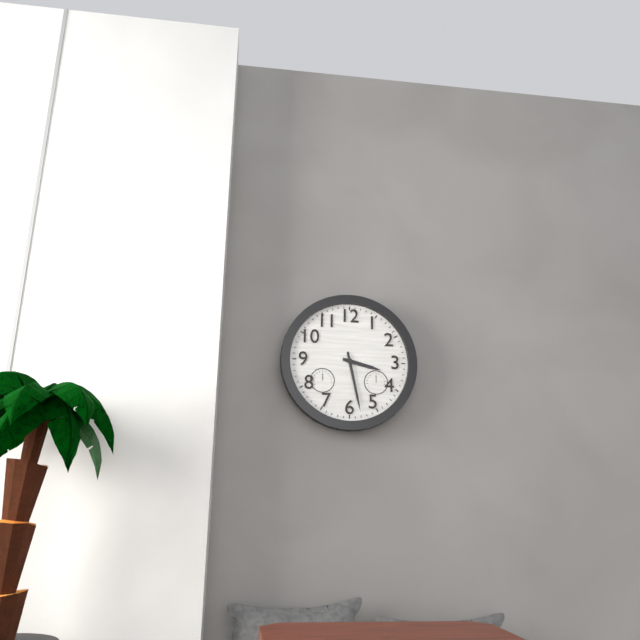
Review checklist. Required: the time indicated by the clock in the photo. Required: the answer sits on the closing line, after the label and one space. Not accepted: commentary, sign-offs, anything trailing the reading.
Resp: 3:28
